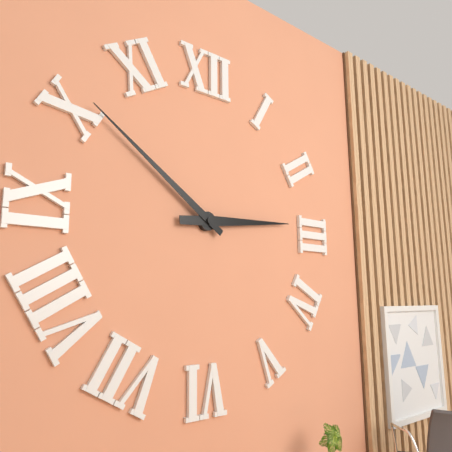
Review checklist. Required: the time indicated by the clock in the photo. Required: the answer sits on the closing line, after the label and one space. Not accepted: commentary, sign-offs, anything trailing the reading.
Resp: 2:51
